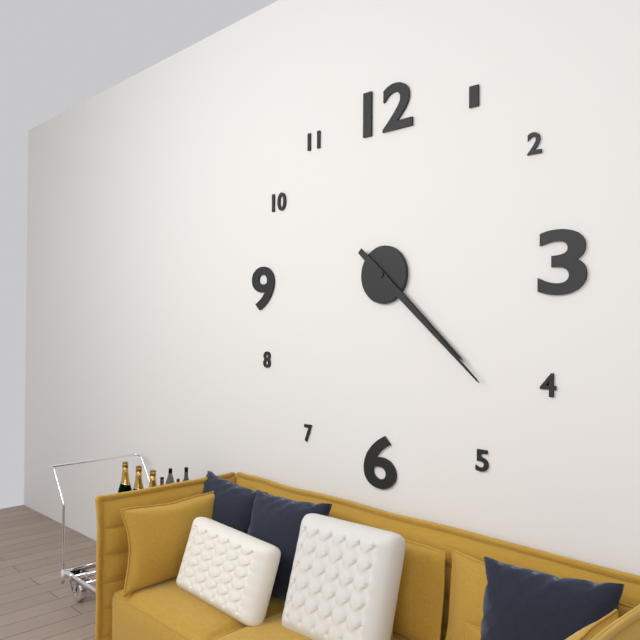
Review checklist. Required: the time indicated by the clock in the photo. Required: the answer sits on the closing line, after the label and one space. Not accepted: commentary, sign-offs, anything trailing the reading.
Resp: 4:22
